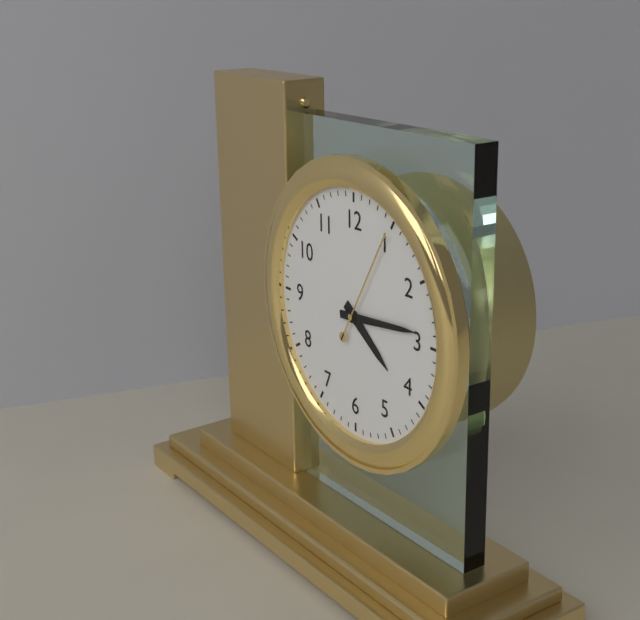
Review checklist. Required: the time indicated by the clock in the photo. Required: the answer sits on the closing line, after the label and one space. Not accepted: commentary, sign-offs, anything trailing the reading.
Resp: 4:14:05
